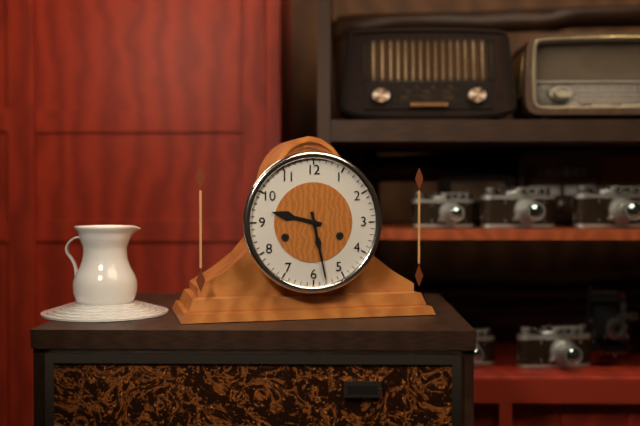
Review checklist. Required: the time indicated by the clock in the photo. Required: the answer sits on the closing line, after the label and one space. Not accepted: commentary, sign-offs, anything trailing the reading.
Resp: 9:28
